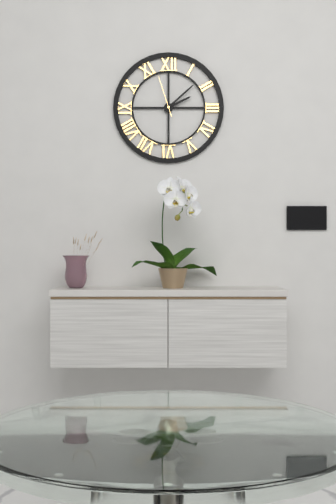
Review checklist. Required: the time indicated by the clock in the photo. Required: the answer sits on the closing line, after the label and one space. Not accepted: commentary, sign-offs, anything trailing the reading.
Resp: 2:08
